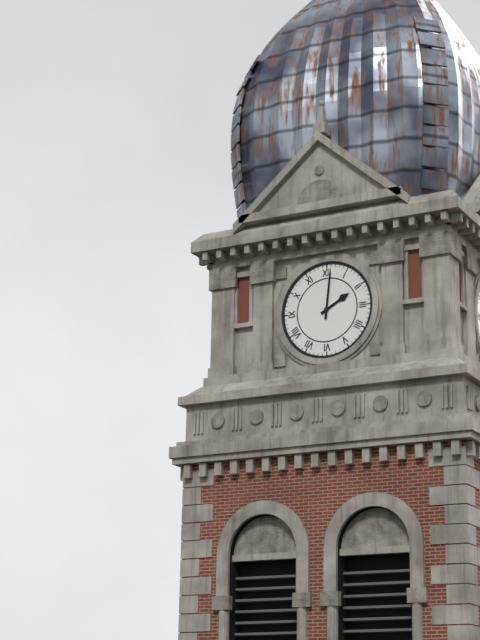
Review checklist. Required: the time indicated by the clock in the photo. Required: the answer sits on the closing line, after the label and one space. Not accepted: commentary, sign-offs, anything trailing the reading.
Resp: 2:01
